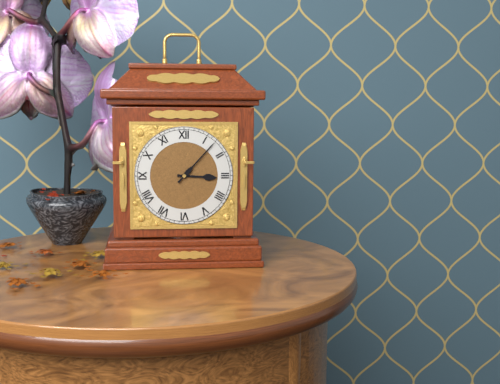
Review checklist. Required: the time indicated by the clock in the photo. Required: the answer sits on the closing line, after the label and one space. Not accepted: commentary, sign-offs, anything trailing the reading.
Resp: 3:07
